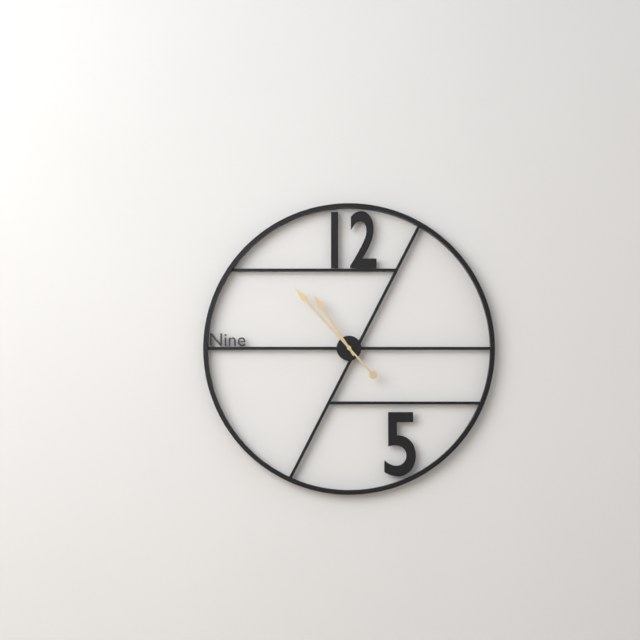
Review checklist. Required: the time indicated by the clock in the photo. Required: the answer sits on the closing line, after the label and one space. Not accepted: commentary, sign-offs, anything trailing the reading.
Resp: 10:53
